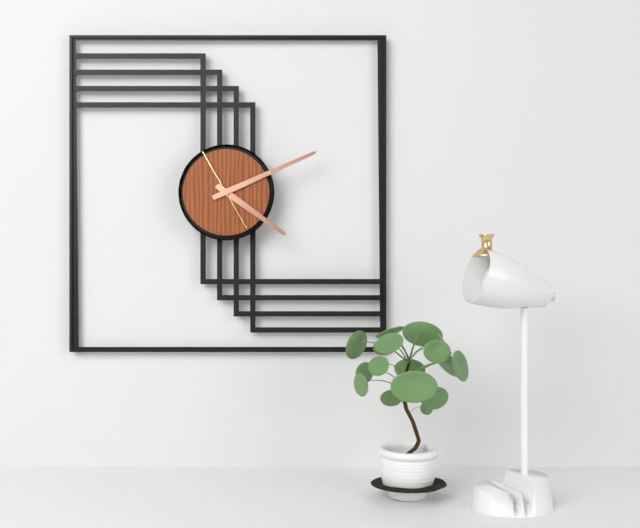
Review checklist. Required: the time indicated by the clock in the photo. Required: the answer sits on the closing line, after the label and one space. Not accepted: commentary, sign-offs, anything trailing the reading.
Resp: 4:11:55
